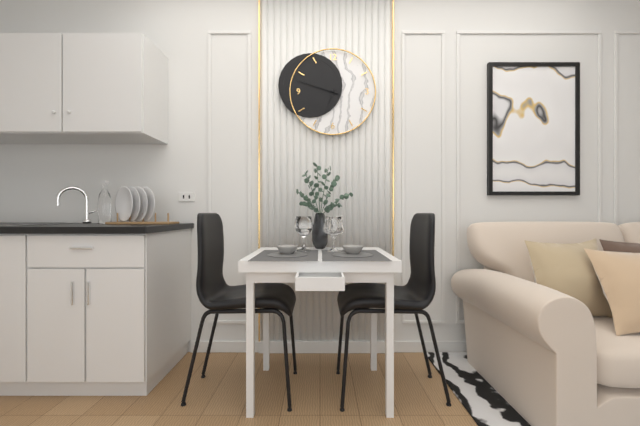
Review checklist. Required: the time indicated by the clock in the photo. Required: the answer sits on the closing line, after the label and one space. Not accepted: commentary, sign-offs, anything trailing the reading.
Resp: 6:48
